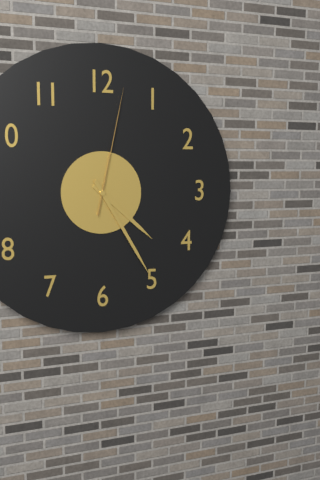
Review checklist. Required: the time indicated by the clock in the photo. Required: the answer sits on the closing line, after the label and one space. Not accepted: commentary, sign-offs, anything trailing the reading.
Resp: 4:25:02
